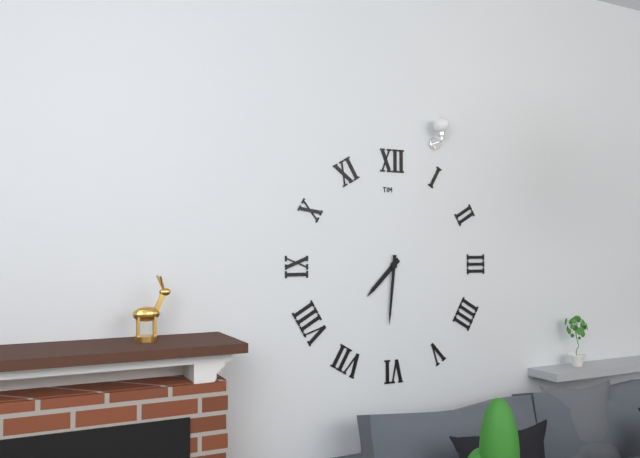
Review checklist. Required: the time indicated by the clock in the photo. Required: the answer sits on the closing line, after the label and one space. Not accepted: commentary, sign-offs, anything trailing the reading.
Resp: 7:31
